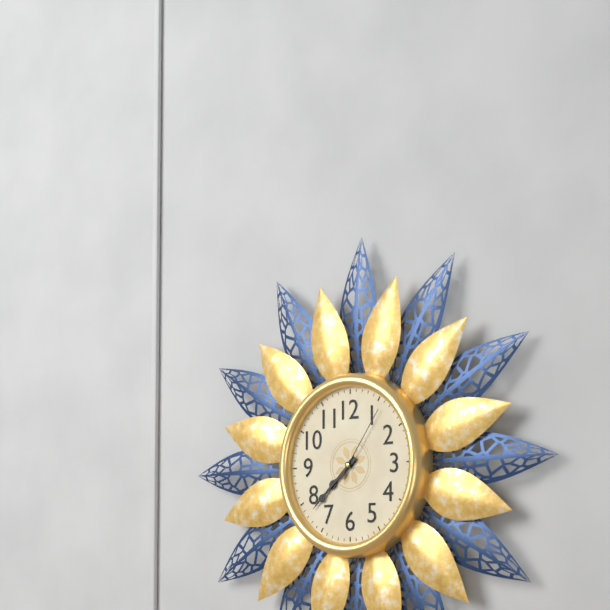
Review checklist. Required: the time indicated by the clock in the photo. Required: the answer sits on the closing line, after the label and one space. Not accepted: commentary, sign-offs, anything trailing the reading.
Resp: 7:38:06
